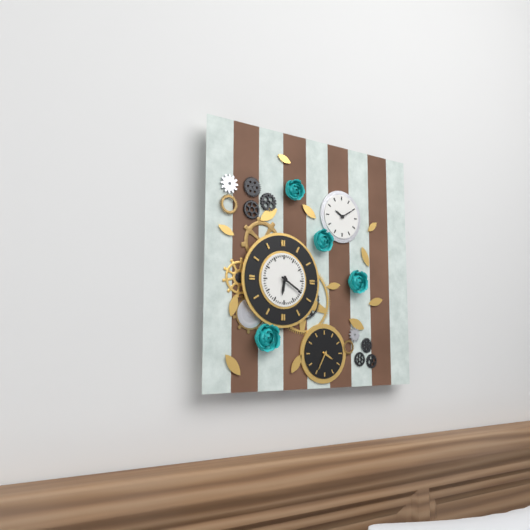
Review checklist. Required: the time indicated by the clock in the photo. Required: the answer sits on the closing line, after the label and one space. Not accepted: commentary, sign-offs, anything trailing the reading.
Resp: 6:20
